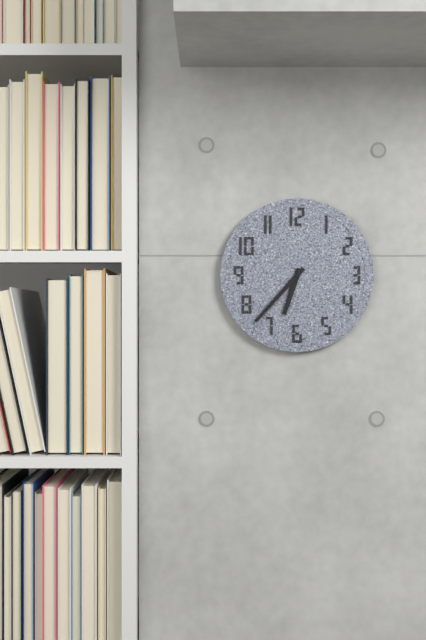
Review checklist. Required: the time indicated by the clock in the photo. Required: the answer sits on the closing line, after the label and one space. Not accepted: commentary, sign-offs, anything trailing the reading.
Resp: 6:37
